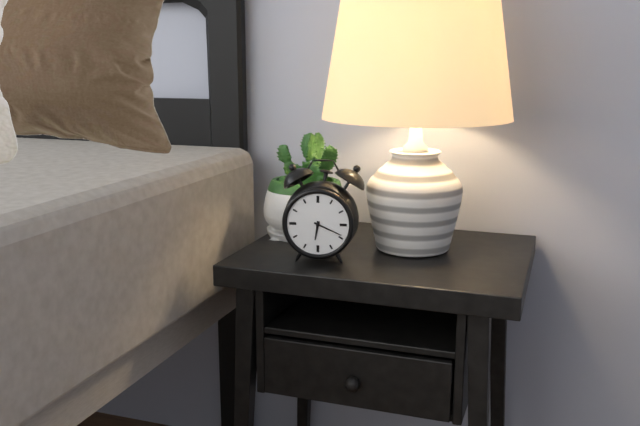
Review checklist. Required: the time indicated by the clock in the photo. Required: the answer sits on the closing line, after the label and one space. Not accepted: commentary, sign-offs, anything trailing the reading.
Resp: 6:19
